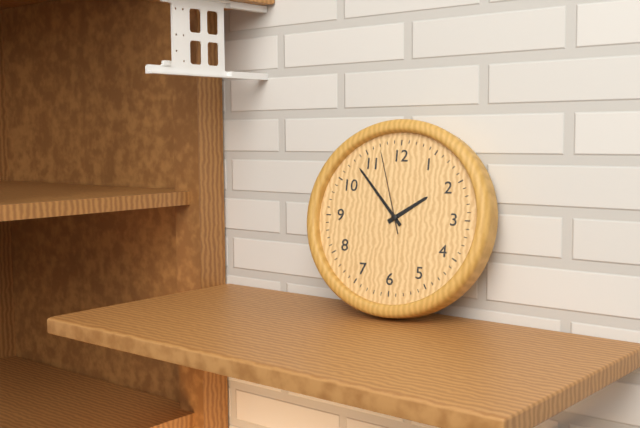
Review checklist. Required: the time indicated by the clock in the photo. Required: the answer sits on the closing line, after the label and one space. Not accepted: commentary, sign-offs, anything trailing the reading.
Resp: 1:53:57
